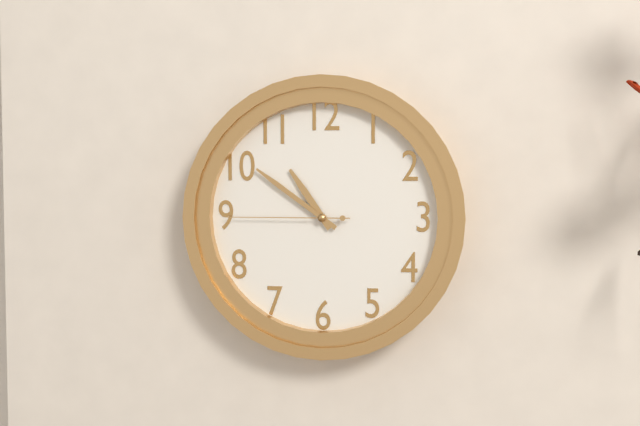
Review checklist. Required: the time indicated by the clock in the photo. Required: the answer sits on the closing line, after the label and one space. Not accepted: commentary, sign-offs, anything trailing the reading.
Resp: 10:51:45
